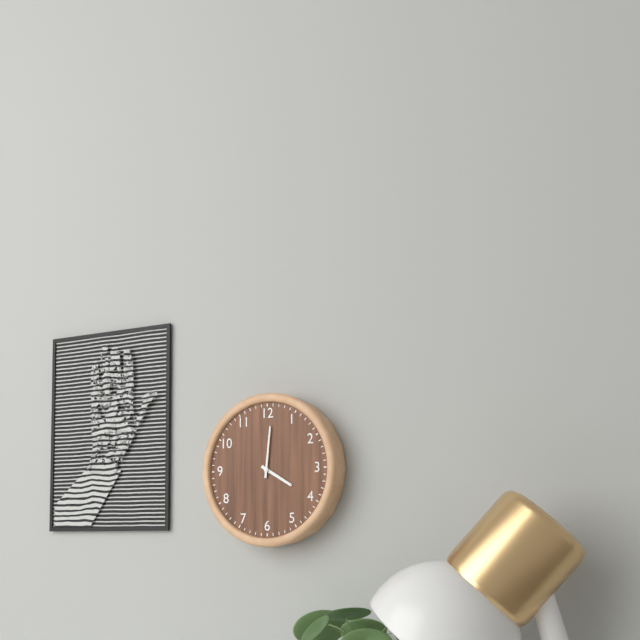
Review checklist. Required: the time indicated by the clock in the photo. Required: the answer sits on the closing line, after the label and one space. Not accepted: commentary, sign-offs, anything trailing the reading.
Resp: 4:01
